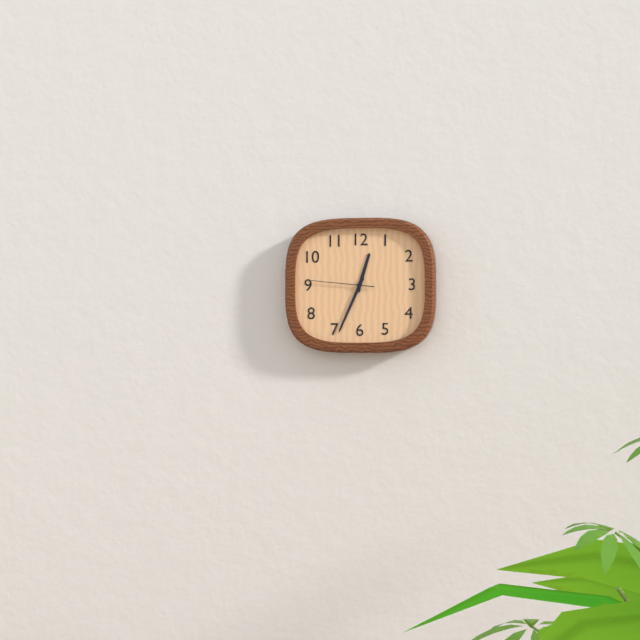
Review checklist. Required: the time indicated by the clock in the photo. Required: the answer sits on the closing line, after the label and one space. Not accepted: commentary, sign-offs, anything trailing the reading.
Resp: 12:34:46
